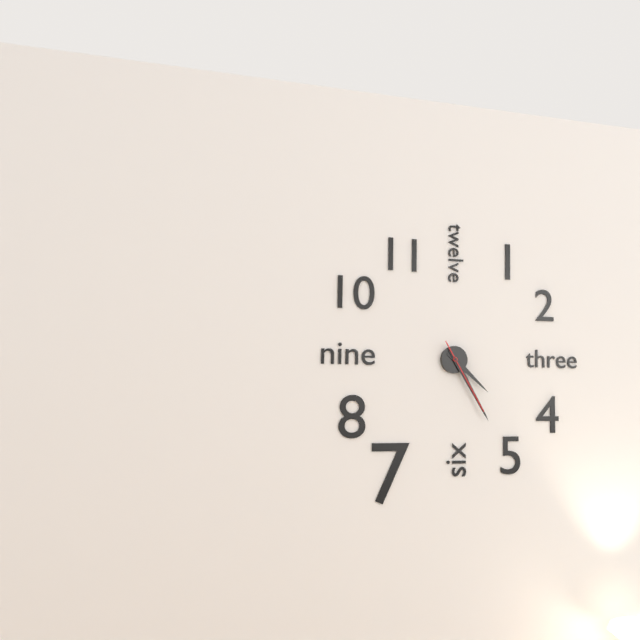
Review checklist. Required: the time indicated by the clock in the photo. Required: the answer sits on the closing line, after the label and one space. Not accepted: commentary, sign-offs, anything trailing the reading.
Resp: 4:25:25
